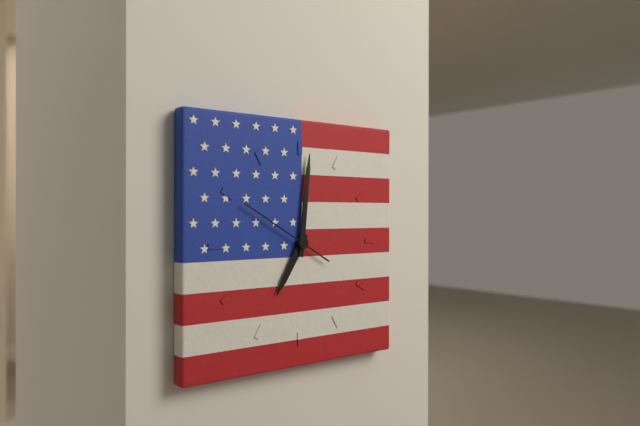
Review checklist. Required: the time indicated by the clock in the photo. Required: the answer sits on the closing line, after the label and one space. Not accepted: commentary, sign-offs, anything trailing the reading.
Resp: 7:01:50
